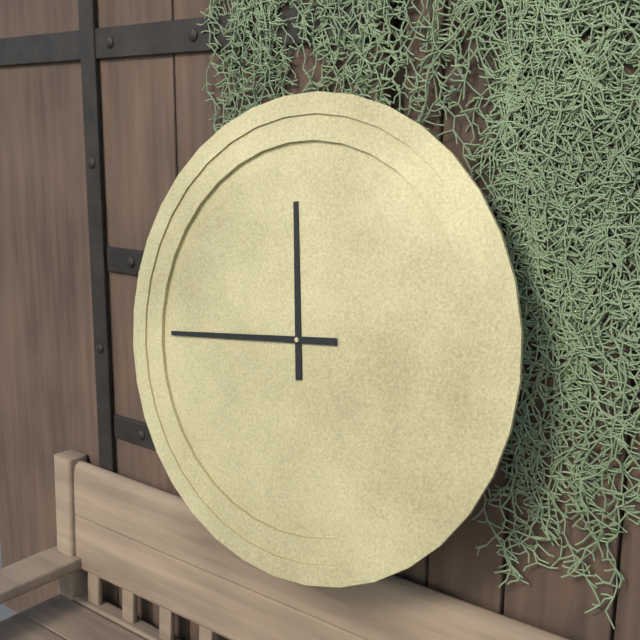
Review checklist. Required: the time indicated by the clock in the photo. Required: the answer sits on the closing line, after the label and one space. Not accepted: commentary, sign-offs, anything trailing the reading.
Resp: 11:44
